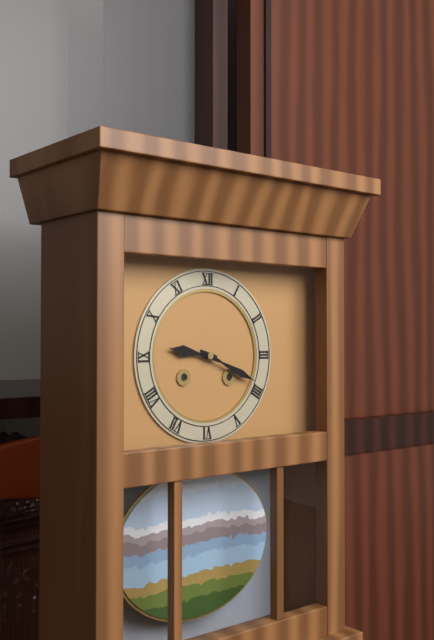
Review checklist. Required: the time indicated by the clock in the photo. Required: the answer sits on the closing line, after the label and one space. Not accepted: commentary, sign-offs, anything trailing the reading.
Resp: 9:19
